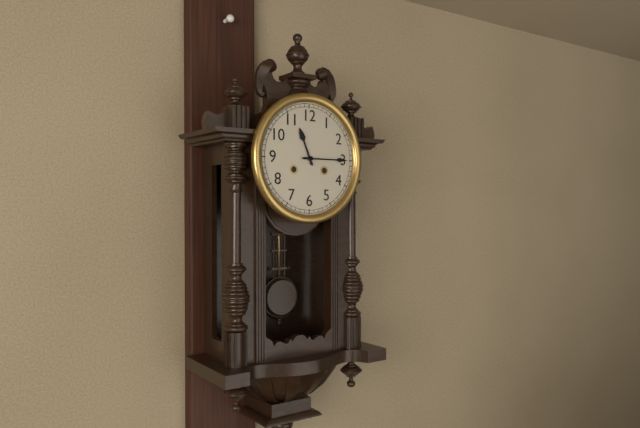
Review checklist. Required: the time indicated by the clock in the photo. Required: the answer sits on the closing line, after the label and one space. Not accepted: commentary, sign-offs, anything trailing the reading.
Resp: 11:15
